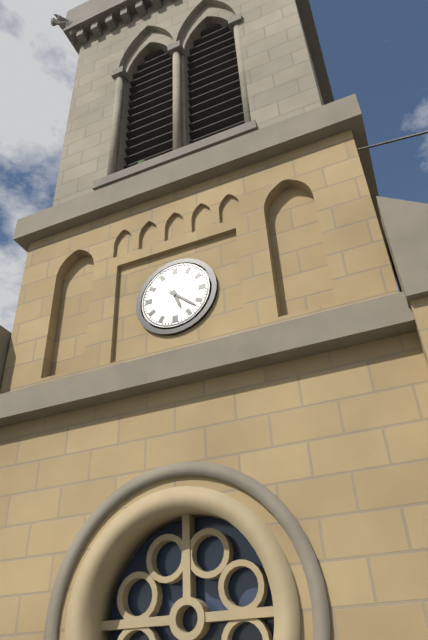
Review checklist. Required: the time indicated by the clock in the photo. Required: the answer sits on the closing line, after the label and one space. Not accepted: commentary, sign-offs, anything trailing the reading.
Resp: 5:22
